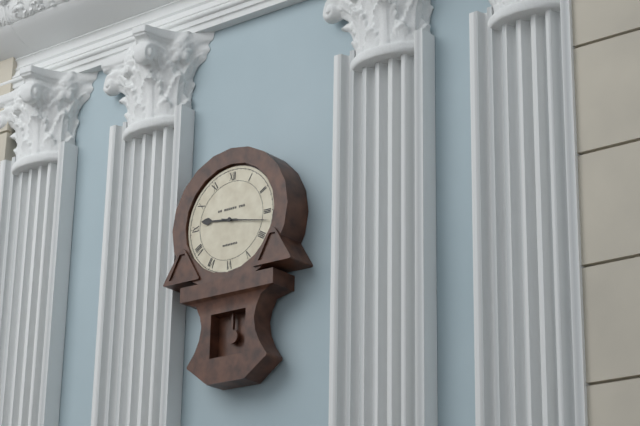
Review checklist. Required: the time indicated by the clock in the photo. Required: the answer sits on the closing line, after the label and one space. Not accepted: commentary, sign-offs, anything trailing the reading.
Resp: 9:17
